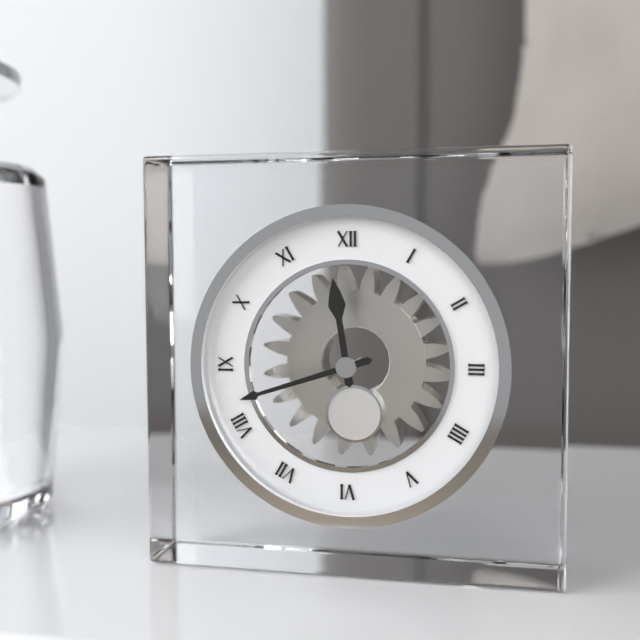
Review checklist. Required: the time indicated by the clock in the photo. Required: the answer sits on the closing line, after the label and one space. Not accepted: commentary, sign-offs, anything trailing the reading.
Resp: 11:42
